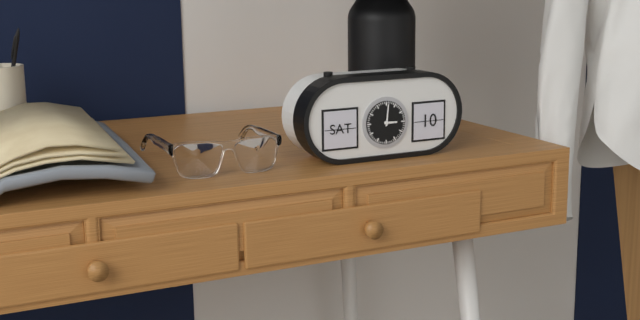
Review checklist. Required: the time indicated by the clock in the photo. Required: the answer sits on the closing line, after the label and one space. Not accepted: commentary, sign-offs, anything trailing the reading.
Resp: 3:01
